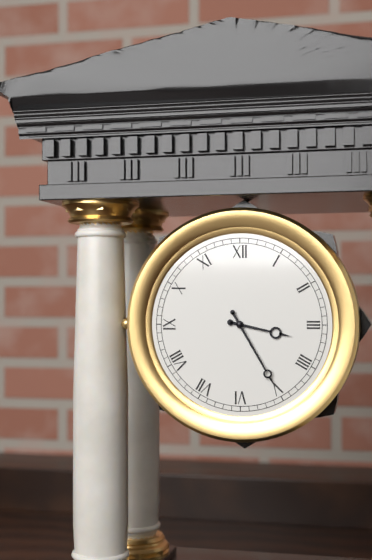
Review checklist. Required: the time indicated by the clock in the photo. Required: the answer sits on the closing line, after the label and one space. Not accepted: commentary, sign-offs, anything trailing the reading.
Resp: 3:25
